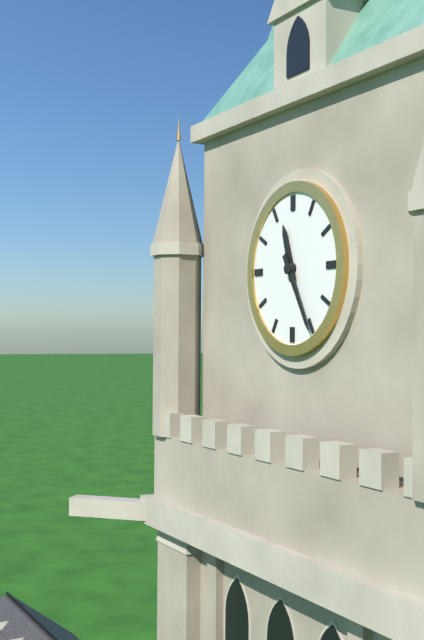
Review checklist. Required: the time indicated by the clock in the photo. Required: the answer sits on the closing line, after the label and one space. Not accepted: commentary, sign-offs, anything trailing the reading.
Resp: 11:25
